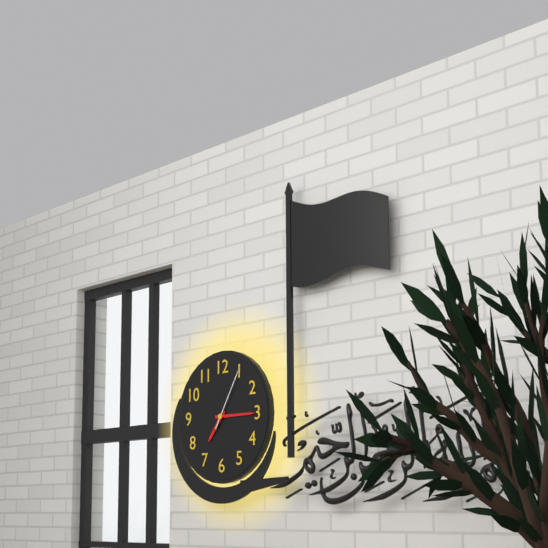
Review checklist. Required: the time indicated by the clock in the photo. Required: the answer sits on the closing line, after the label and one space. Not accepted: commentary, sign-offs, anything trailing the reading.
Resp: 7:15:05
